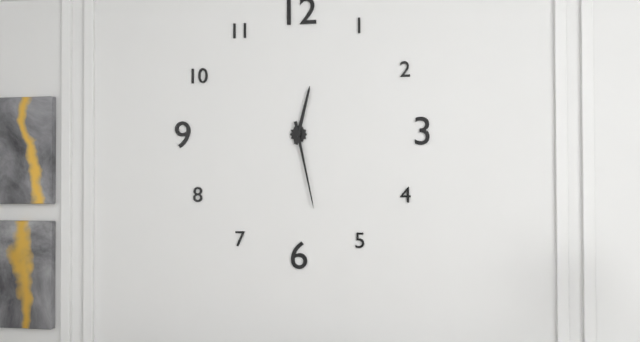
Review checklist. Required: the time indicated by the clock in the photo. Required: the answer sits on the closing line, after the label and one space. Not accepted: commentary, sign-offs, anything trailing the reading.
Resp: 12:28
